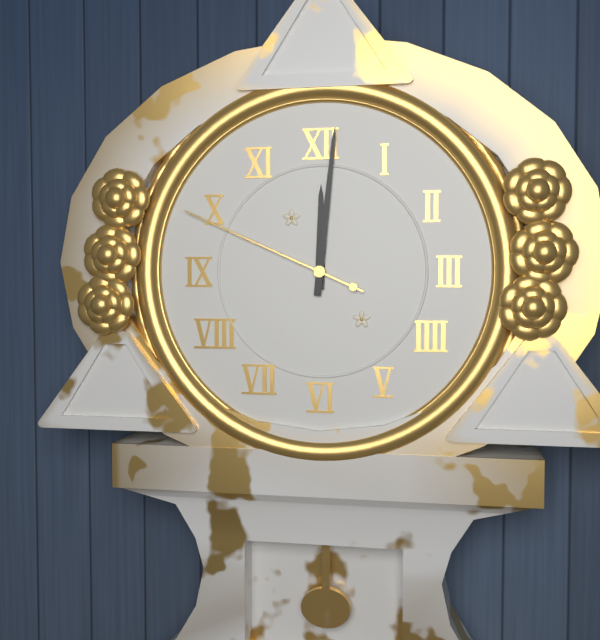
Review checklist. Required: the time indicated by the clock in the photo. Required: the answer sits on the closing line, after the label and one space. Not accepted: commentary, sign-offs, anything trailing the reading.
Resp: 12:01:49
